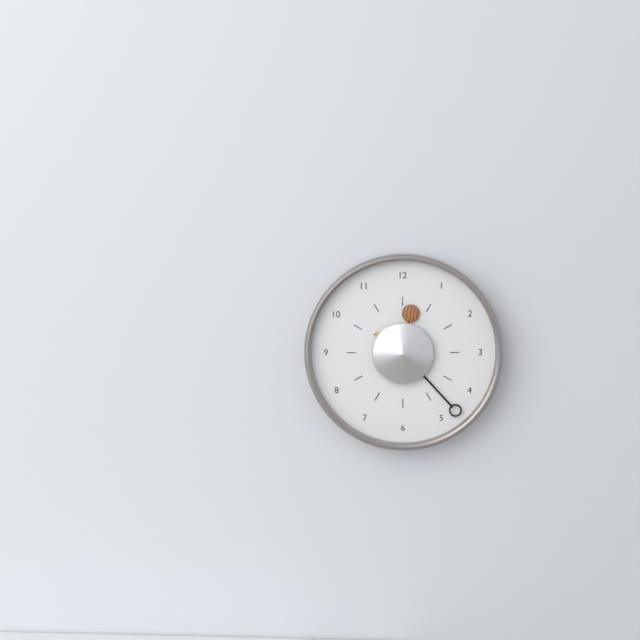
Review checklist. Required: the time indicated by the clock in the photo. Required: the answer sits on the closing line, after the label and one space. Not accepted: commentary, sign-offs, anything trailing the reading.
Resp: 12:23
